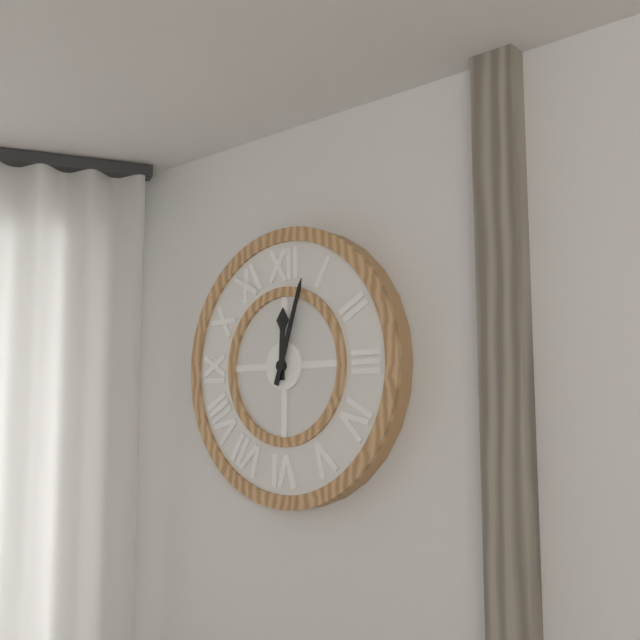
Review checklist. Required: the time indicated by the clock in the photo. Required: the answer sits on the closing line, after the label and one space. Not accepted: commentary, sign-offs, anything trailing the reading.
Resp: 12:03
